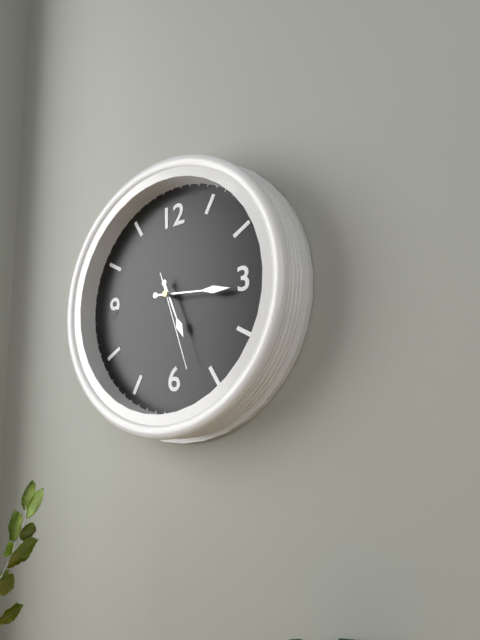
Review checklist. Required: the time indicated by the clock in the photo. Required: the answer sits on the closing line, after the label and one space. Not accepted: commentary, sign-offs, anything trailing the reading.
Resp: 5:16:27
